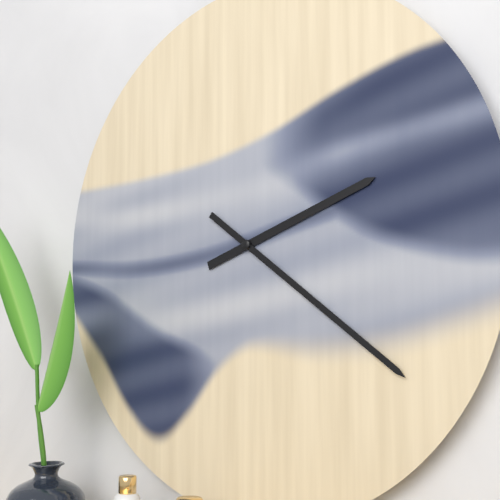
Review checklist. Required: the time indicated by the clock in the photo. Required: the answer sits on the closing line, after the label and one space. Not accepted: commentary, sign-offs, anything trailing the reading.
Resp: 2:21
